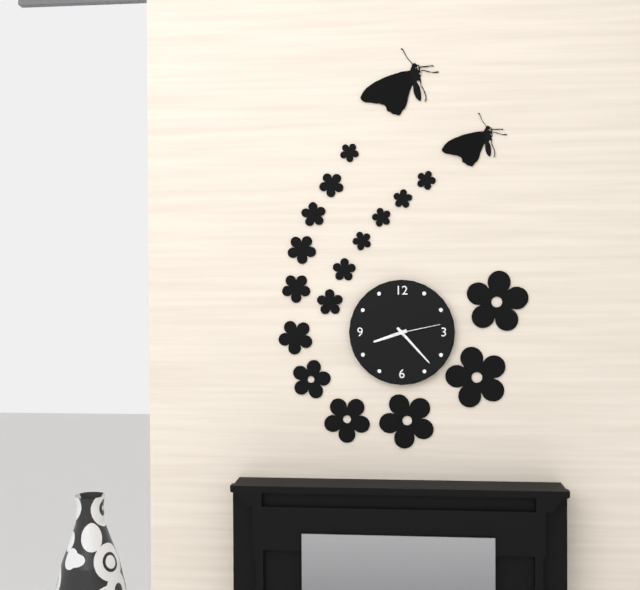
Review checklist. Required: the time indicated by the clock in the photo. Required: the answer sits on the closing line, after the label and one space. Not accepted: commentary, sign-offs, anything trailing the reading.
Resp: 8:23:13
